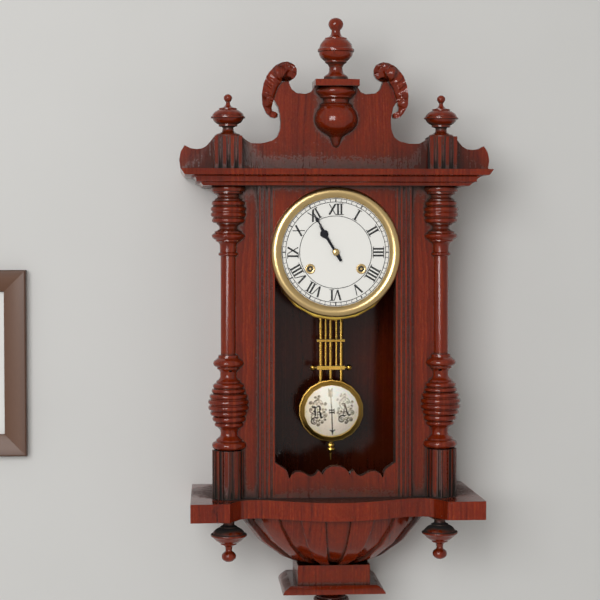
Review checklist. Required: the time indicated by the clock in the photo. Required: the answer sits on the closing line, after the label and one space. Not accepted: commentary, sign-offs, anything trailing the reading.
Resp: 10:55
